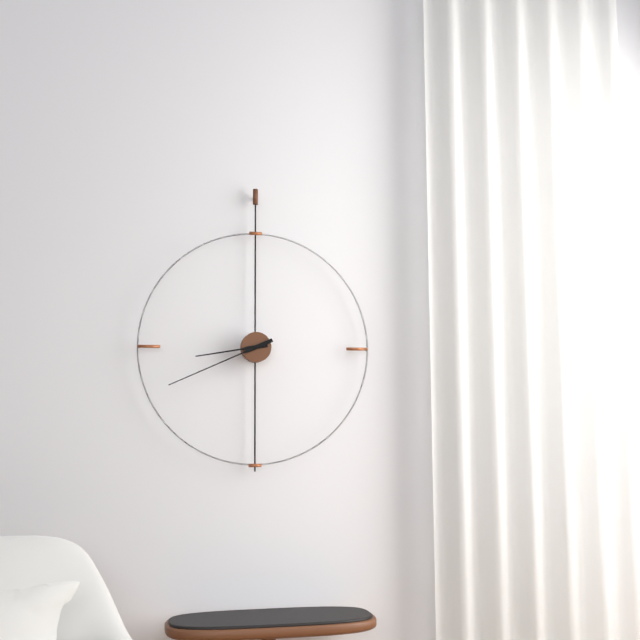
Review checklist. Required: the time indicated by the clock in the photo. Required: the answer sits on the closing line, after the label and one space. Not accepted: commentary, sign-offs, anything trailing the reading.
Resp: 8:41
